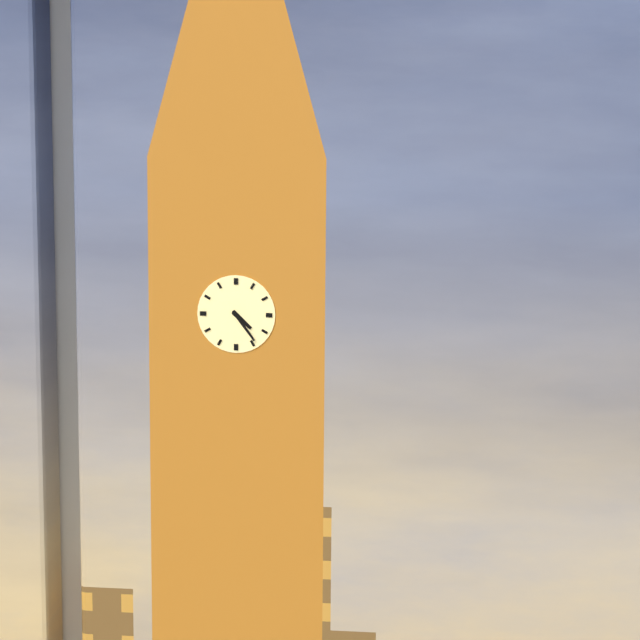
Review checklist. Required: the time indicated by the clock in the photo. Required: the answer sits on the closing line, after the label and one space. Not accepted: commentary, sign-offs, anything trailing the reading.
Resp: 4:24
